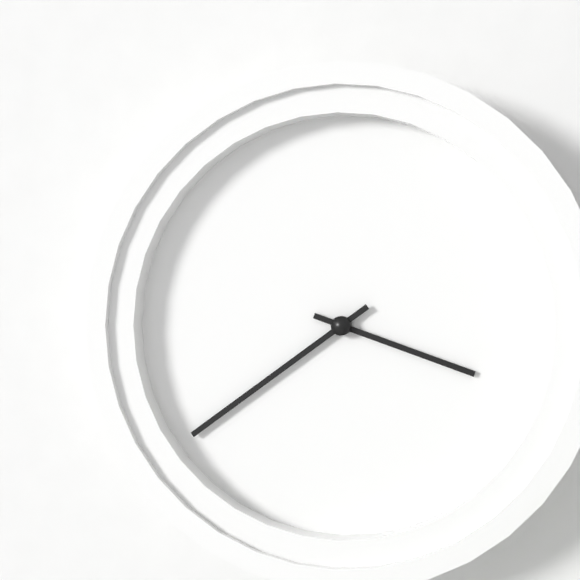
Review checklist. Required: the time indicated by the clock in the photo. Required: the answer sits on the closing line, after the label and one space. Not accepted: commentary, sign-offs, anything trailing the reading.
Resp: 3:39
